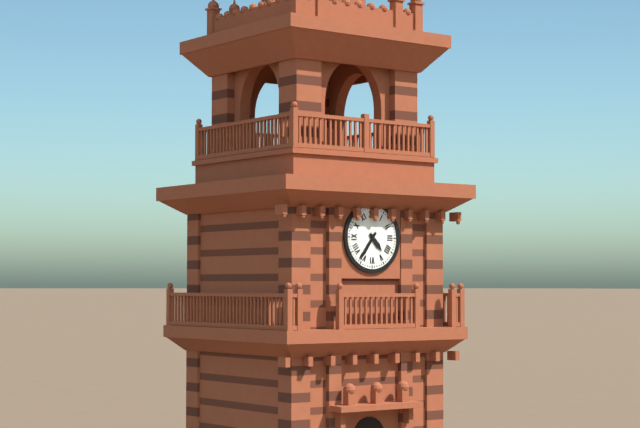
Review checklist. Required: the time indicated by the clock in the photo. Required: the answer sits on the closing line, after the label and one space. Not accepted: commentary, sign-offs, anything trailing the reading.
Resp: 4:36
